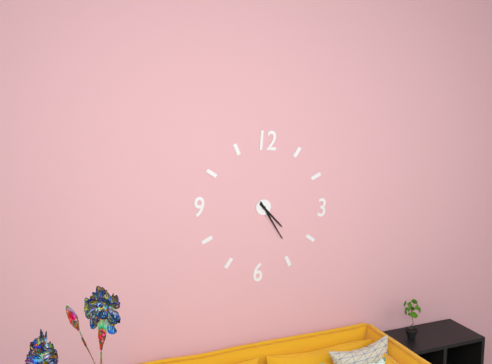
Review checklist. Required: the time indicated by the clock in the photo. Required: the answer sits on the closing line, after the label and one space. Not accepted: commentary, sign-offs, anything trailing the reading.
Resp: 4:24
